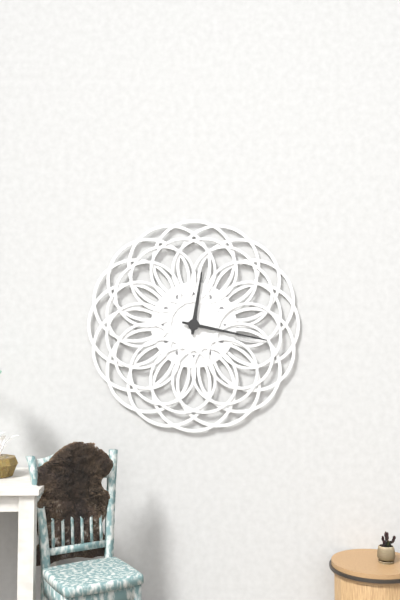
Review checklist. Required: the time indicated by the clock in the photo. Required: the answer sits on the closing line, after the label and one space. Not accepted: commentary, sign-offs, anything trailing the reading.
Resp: 12:17
